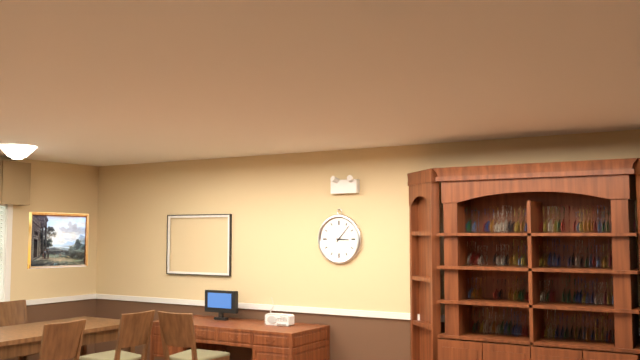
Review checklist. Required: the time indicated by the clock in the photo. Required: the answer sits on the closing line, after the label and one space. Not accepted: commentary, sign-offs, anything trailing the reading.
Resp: 3:07
